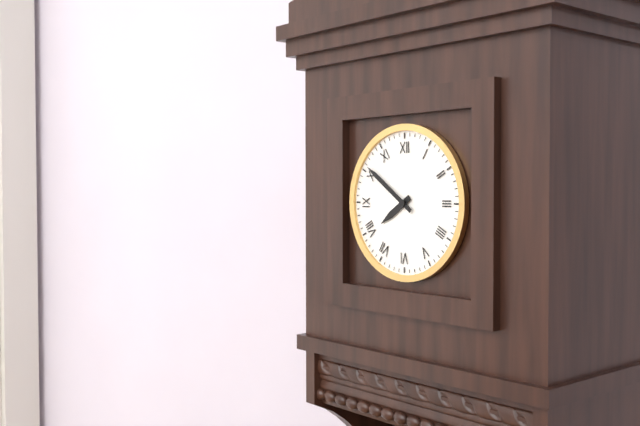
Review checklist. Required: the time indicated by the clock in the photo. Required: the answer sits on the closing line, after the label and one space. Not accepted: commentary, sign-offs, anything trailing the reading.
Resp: 7:51
